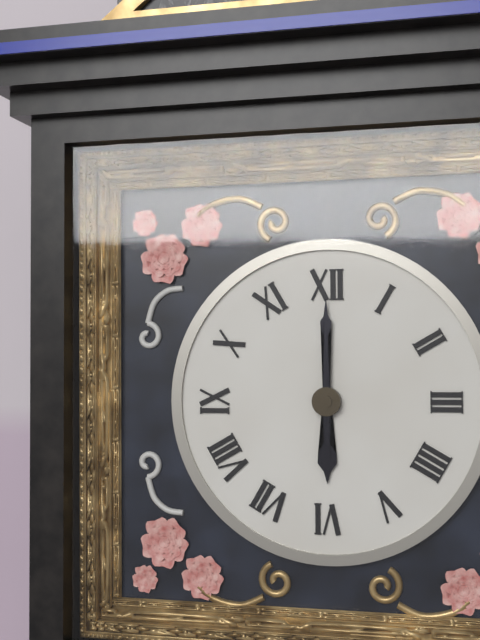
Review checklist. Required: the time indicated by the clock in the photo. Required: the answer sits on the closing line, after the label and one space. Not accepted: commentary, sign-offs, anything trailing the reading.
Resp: 6:00
